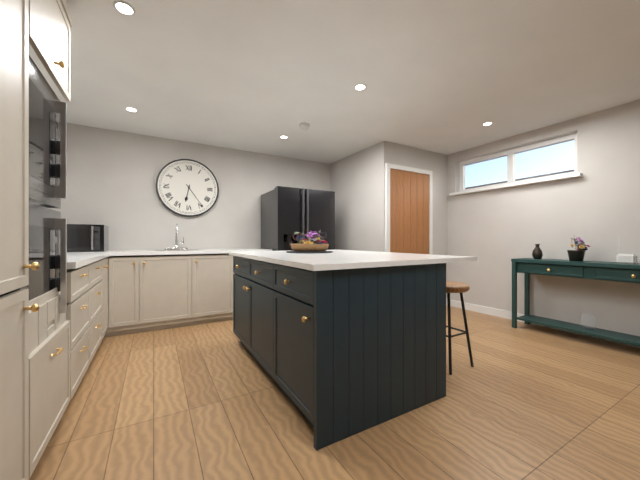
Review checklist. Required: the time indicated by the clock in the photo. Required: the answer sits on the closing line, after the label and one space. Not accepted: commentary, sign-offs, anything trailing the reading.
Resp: 6:24
